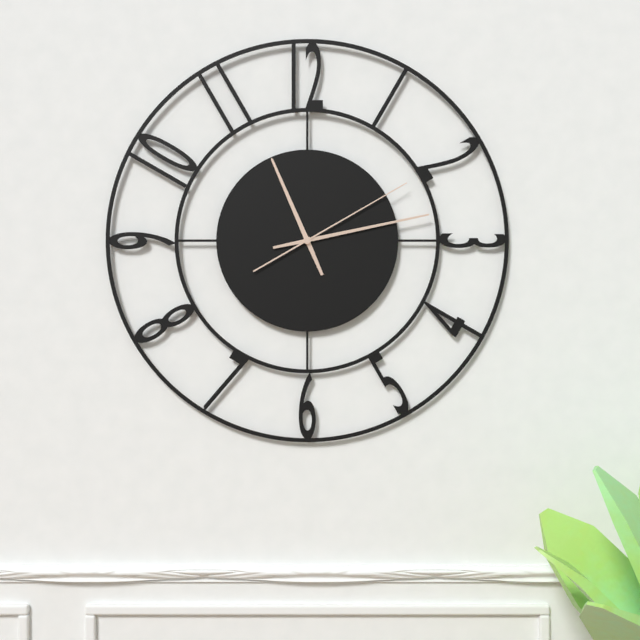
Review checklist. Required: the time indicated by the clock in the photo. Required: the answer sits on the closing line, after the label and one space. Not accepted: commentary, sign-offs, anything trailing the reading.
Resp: 11:13:10
